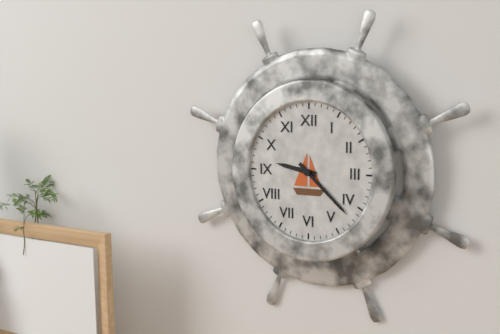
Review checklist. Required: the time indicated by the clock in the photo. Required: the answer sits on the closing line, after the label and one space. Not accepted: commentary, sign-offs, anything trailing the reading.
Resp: 9:22
